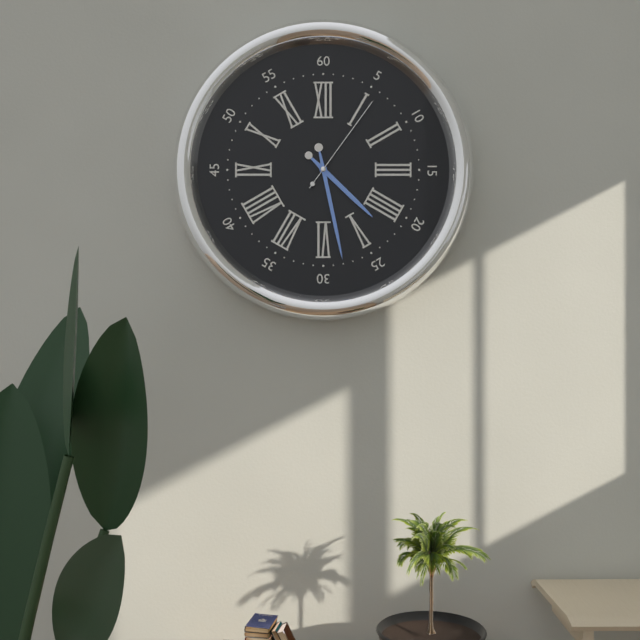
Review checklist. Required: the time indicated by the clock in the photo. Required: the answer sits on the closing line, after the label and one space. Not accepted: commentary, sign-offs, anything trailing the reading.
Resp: 4:28:06
